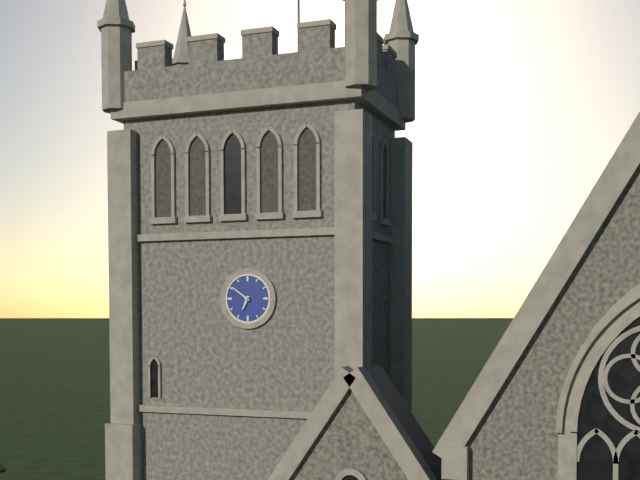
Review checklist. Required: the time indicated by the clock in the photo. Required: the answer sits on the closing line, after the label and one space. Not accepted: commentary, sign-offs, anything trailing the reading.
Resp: 6:51
